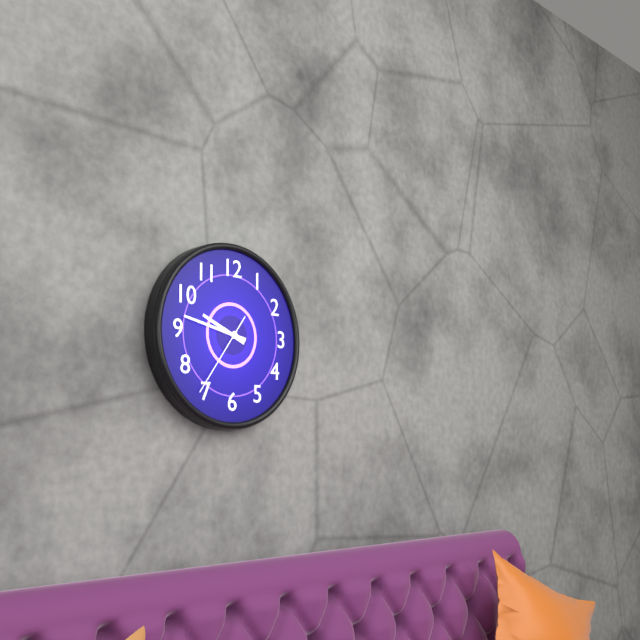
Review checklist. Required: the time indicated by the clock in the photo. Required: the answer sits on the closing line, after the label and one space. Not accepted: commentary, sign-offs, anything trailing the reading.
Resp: 9:47:36
